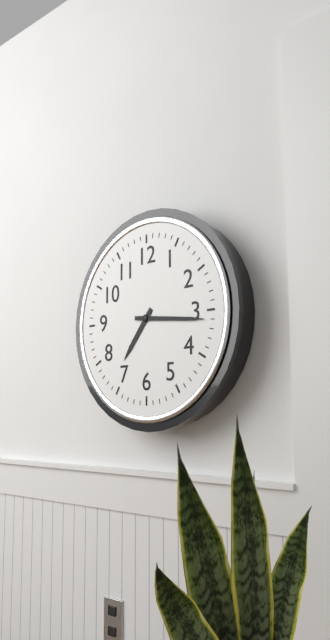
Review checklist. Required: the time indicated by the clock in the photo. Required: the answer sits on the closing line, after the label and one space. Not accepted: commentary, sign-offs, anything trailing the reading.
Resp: 7:16
